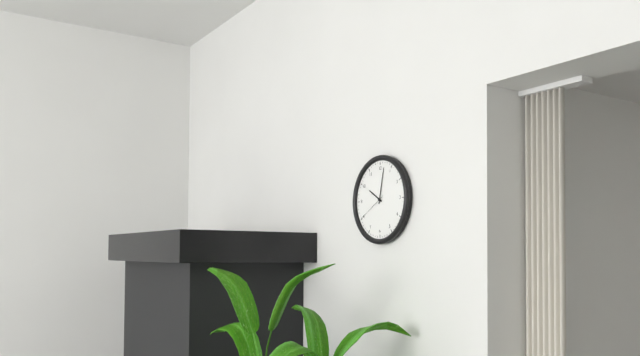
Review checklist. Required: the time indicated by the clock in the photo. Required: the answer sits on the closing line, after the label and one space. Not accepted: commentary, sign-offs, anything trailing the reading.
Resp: 10:02
